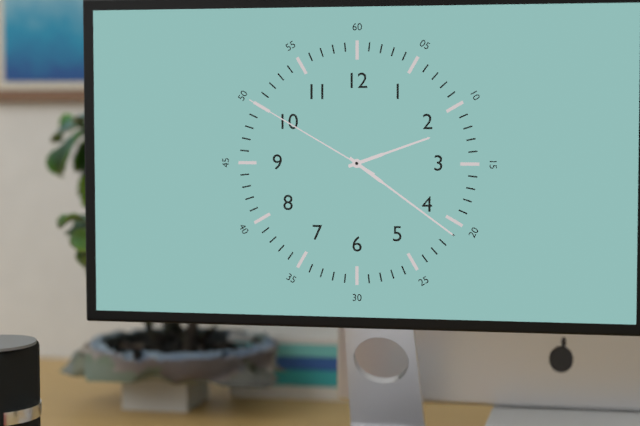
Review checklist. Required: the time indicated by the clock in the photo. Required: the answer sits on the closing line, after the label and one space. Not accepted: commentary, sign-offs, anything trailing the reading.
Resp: 2:21:50
